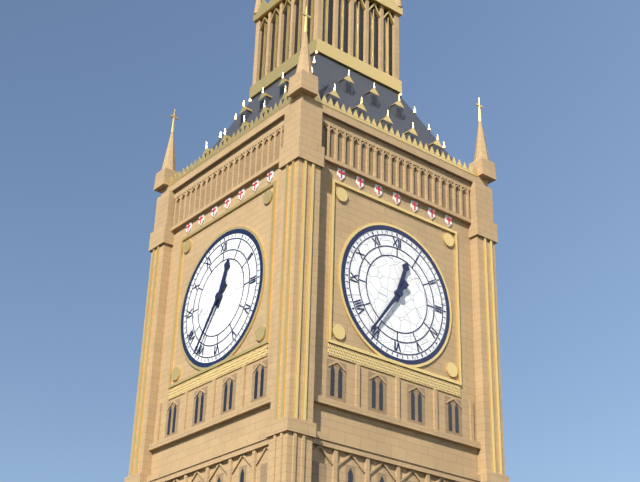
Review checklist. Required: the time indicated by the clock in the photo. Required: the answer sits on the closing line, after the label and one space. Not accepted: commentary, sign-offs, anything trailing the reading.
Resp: 12:36
